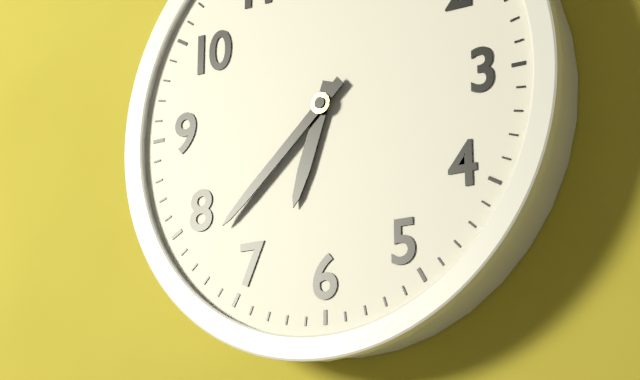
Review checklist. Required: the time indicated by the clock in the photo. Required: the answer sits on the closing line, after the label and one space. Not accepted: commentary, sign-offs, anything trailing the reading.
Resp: 6:38
